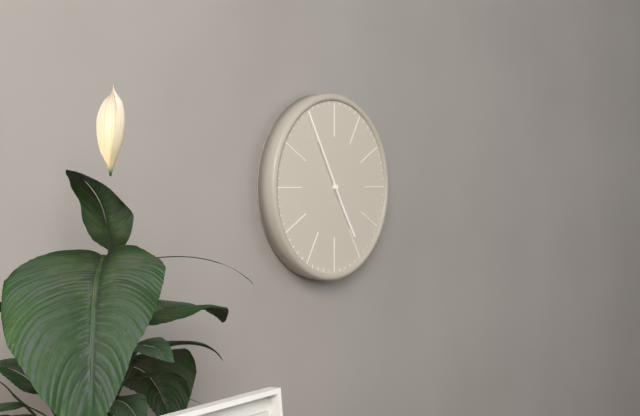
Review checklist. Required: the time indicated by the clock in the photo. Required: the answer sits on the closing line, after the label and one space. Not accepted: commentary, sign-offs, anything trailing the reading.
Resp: 4:55
